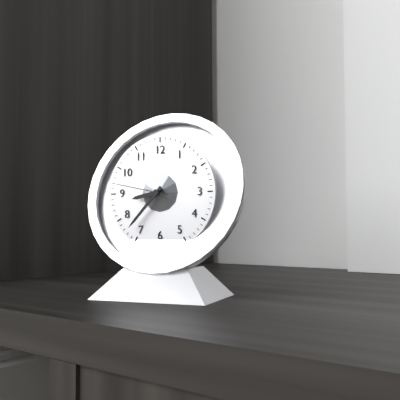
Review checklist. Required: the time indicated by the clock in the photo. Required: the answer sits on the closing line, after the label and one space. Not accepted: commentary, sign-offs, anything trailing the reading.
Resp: 8:37:47
